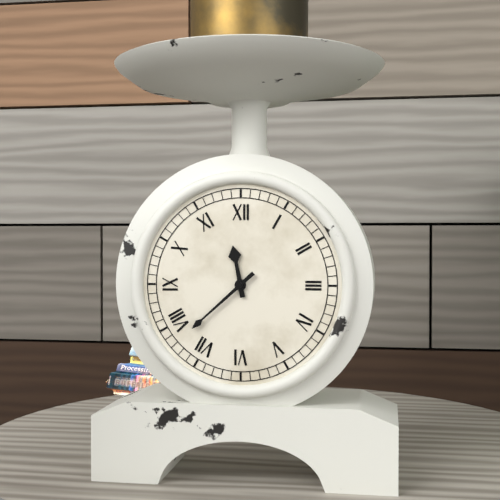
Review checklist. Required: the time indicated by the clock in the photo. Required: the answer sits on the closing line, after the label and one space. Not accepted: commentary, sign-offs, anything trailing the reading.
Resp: 11:38
